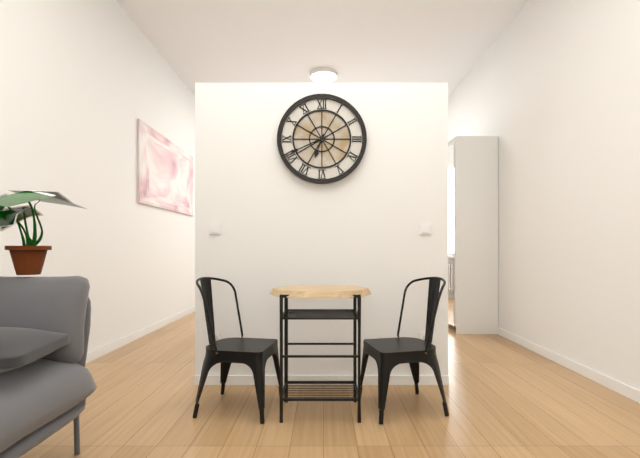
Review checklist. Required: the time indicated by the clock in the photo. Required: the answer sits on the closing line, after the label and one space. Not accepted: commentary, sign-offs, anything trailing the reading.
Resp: 6:41
